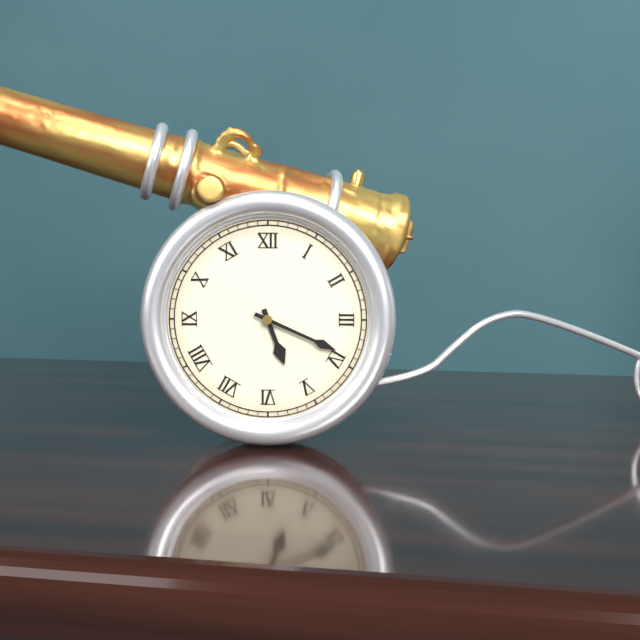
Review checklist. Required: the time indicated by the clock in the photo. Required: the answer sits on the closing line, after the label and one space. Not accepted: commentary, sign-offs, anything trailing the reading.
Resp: 5:19
